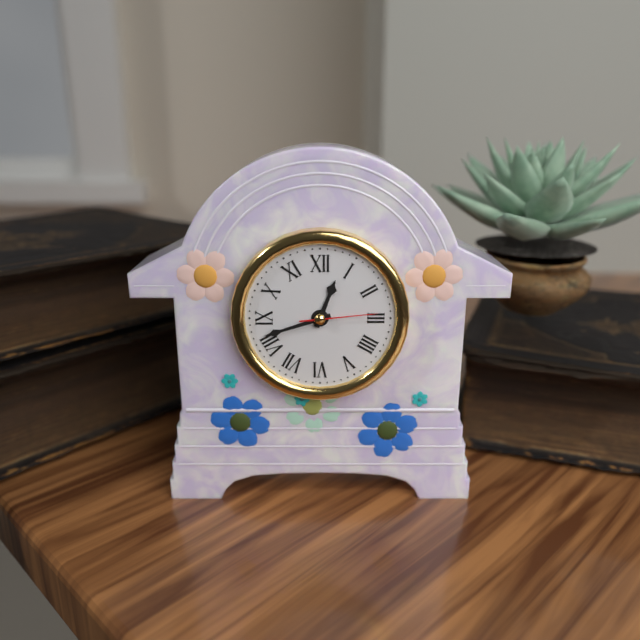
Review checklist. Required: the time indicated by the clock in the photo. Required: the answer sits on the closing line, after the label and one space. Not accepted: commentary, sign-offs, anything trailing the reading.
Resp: 12:42:14
